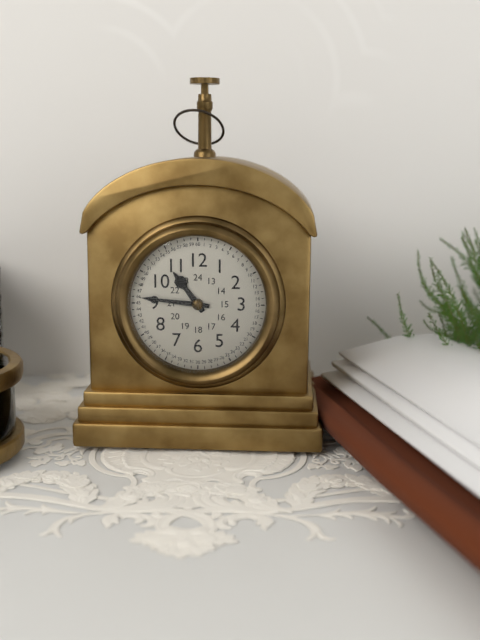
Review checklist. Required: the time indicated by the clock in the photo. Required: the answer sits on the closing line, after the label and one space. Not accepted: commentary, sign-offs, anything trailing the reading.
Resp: 10:46
